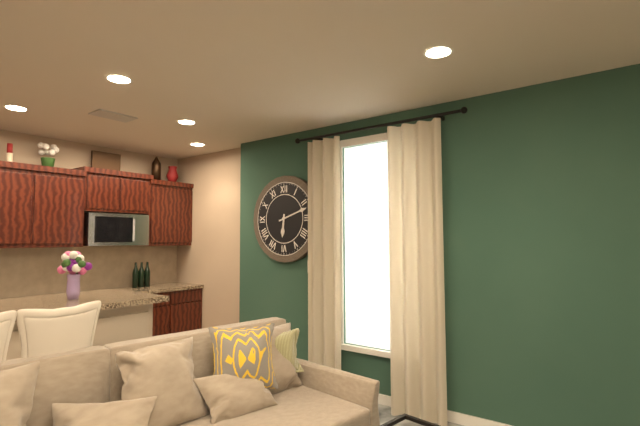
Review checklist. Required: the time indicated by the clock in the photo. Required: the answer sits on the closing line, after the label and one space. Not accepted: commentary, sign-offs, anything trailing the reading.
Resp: 6:12
